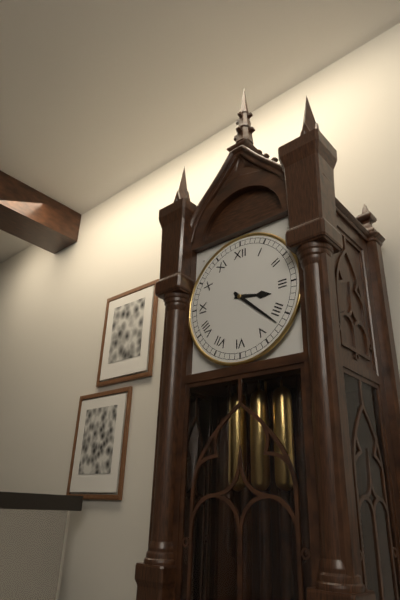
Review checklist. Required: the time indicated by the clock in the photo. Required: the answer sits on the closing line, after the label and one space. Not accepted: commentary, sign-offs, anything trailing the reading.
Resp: 3:22
